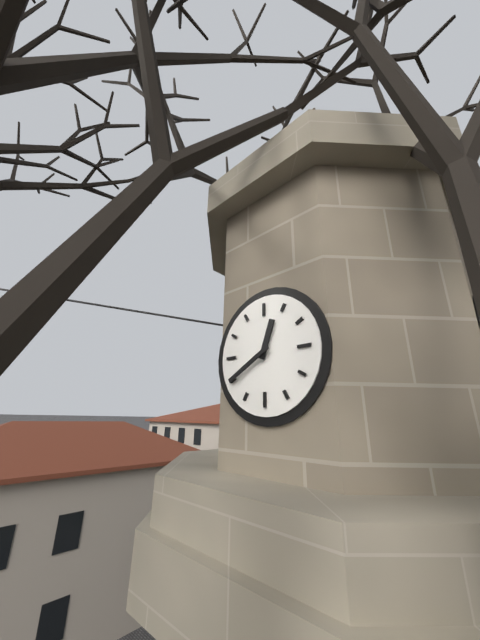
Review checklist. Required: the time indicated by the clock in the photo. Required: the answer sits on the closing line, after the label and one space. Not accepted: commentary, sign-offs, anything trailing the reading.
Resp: 12:40
